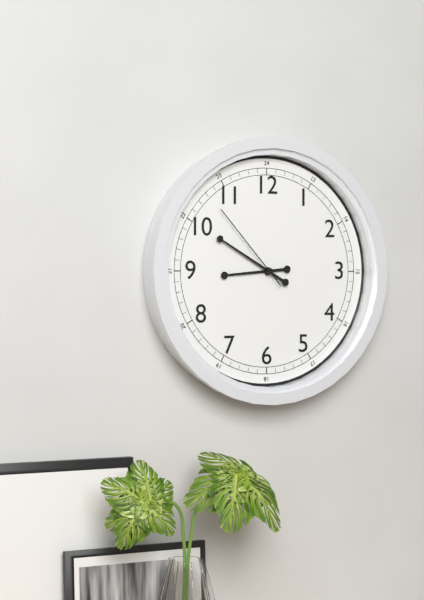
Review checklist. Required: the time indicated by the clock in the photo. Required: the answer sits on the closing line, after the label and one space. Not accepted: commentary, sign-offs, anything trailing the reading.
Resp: 8:50:53
